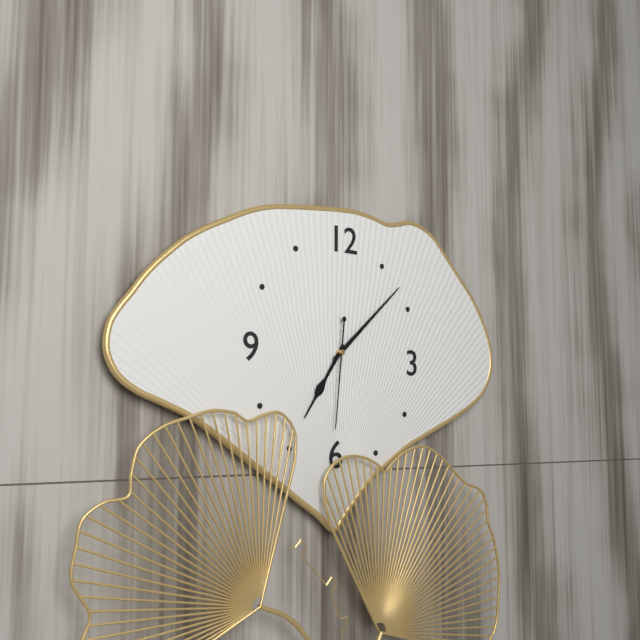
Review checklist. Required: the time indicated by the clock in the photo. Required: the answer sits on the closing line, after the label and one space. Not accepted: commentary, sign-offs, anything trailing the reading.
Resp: 7:08:31
